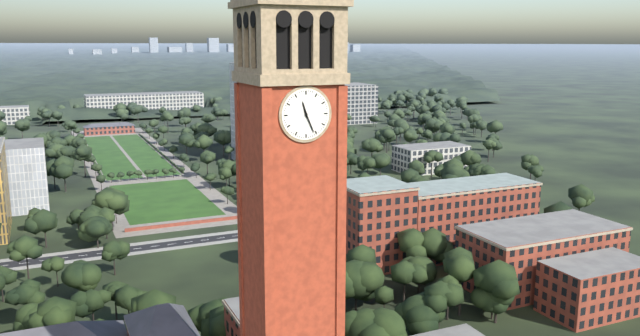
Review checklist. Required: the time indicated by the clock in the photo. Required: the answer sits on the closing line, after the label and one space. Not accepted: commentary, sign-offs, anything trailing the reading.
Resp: 11:26
